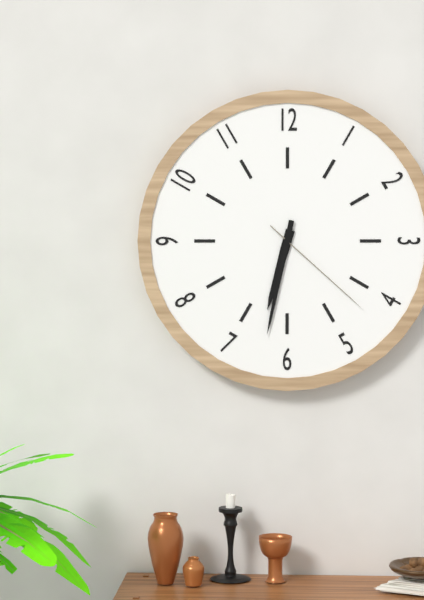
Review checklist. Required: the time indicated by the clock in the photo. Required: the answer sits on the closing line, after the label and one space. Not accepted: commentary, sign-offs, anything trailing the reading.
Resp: 6:32:22
